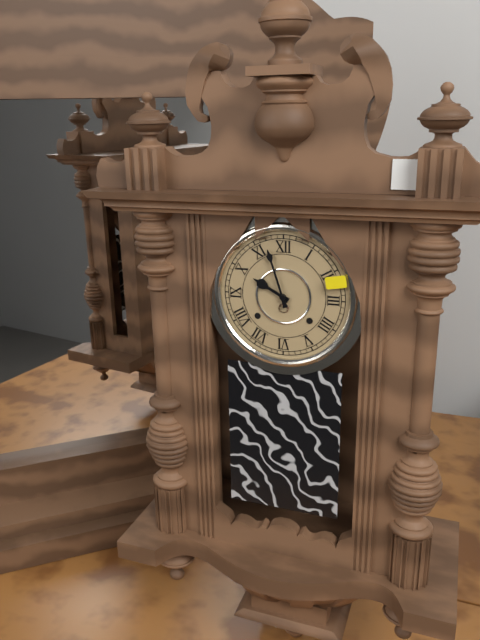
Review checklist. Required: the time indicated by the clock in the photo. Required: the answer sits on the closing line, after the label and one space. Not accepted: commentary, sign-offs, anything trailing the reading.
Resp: 9:57
